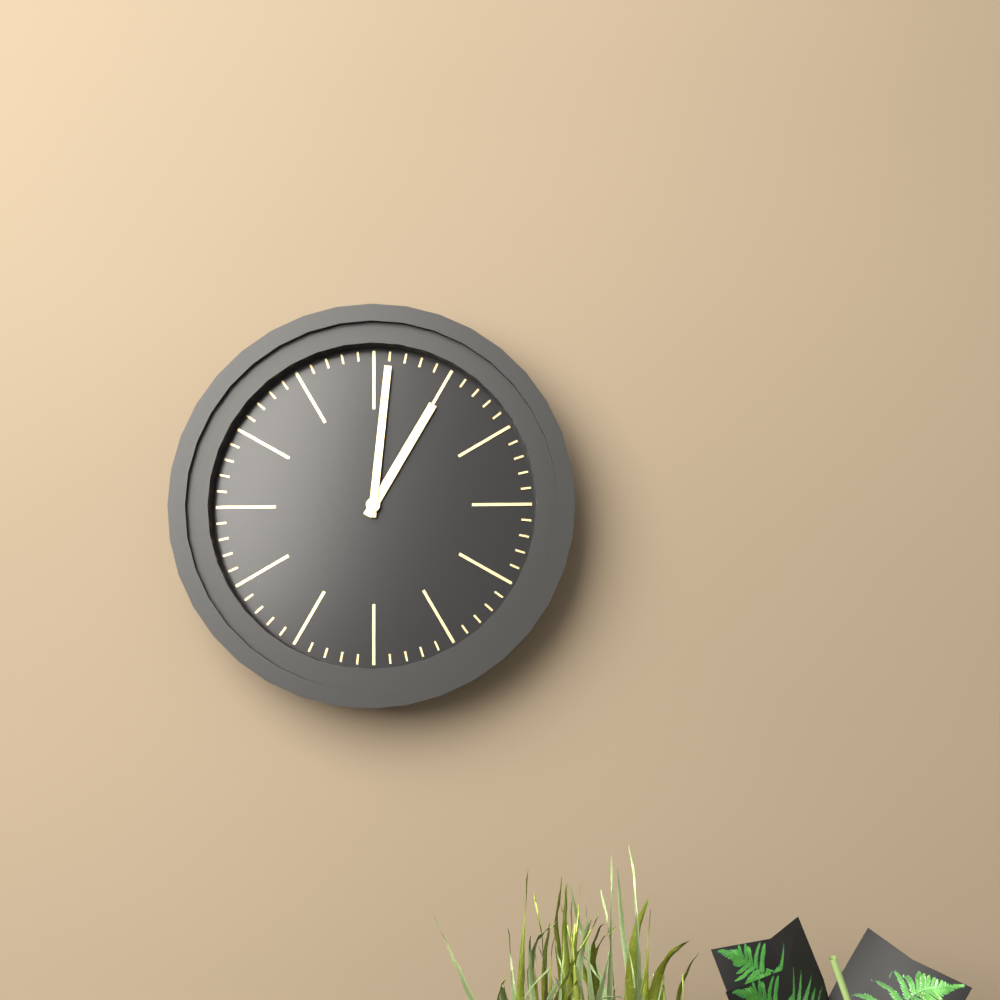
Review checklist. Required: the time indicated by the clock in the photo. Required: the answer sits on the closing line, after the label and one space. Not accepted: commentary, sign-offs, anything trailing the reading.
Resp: 1:01
